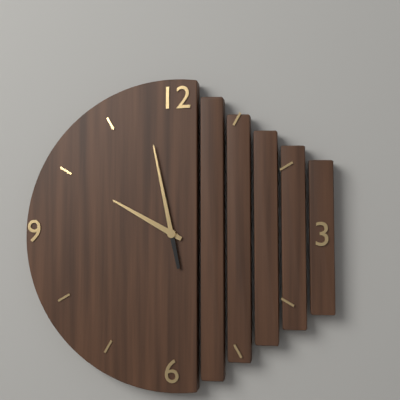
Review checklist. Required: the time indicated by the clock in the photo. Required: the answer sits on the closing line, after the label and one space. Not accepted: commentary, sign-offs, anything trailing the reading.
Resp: 9:58
